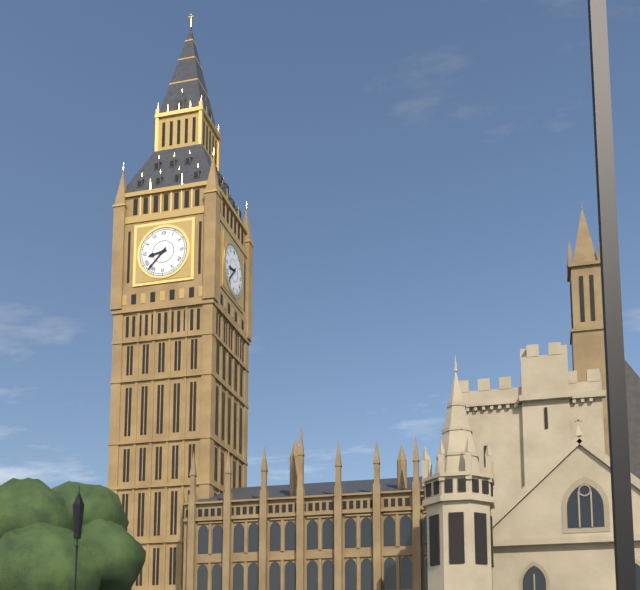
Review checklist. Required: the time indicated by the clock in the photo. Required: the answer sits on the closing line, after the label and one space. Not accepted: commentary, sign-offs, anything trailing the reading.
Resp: 8:37
